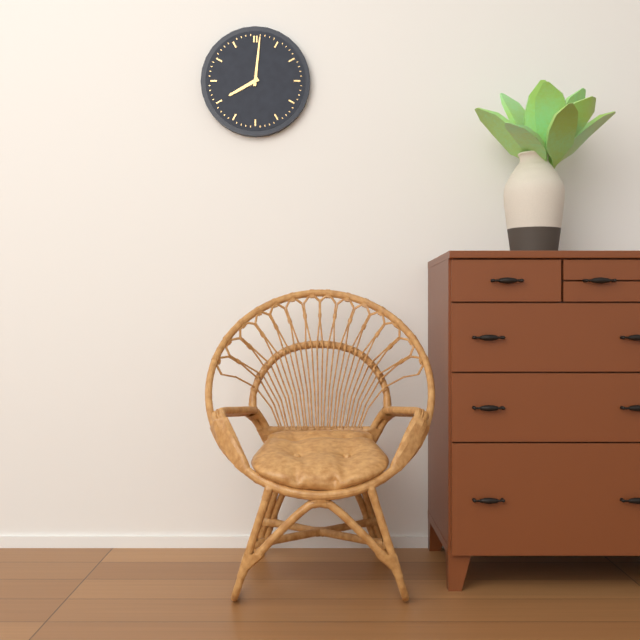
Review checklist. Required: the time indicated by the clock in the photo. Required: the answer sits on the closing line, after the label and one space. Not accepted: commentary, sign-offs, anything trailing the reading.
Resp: 8:01
